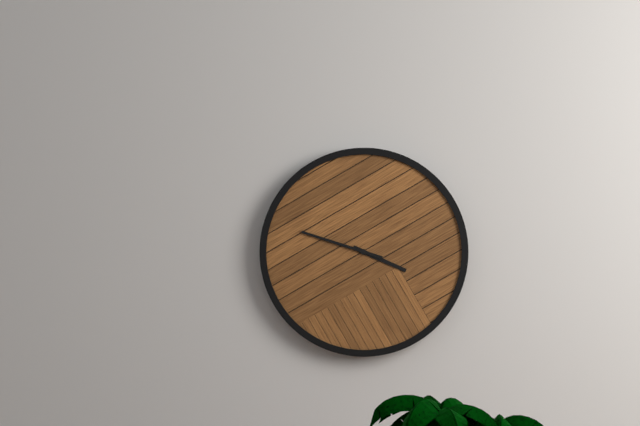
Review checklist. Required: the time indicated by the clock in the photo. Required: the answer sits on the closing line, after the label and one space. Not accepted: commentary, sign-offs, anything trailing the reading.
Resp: 3:48
